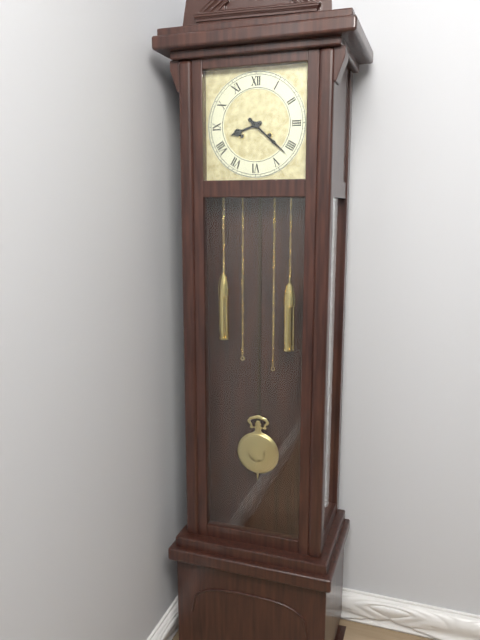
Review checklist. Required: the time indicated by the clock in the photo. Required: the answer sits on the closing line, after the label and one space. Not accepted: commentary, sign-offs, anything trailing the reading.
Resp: 8:22
